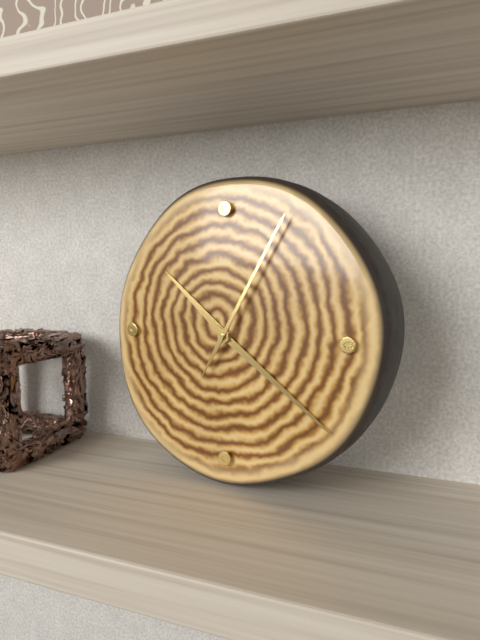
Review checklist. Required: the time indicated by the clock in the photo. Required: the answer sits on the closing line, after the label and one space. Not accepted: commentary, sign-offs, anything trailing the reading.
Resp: 10:21:05
